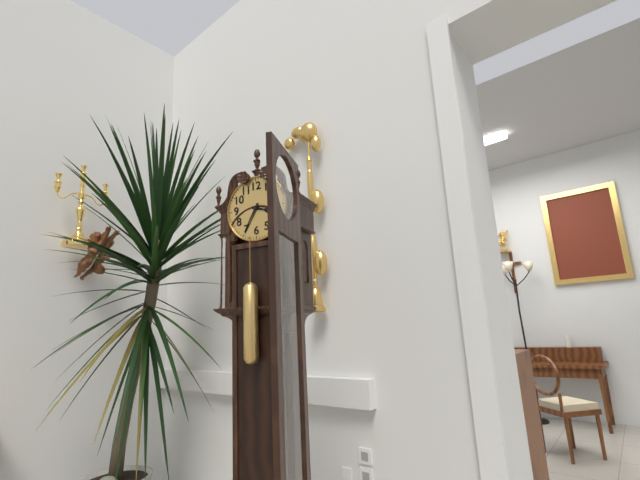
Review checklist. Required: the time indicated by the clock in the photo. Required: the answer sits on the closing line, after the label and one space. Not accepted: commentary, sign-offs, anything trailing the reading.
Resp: 3:35
